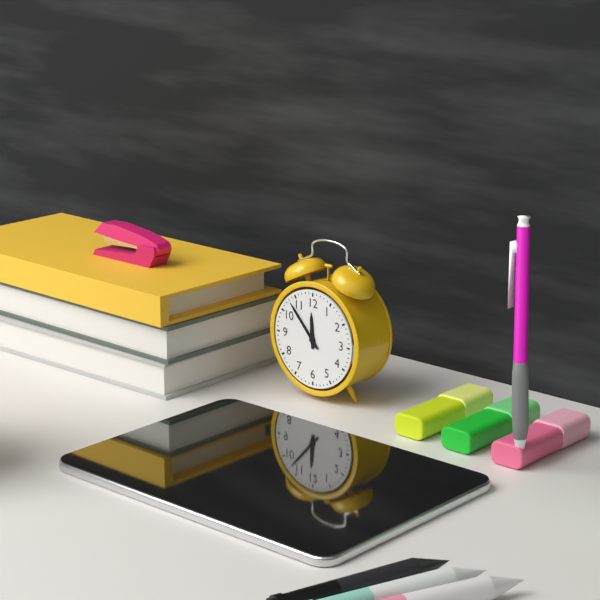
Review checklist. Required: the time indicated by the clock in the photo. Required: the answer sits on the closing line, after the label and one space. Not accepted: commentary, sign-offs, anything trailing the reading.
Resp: 11:53
